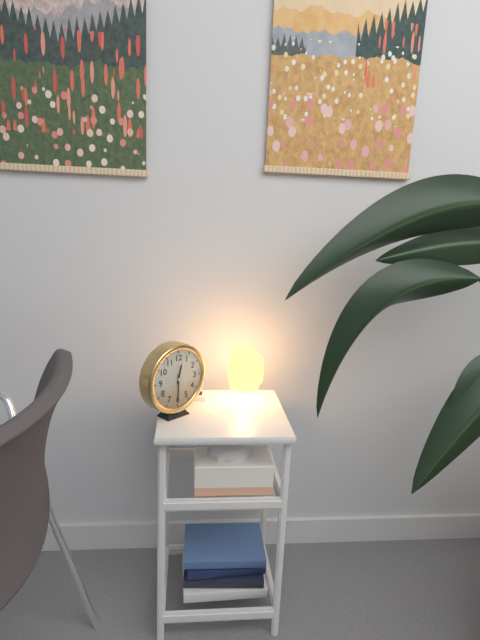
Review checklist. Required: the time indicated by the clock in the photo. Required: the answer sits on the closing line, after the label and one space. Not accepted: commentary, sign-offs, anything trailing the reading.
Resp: 12:30
